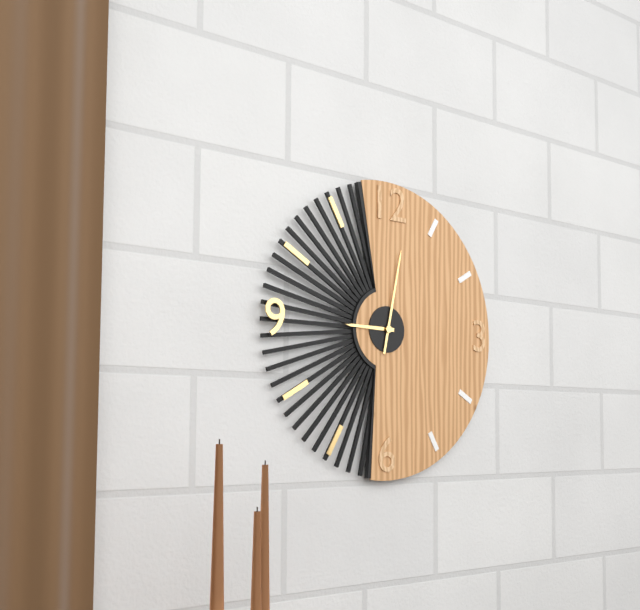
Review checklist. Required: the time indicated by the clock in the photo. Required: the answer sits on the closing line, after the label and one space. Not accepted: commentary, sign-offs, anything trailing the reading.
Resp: 9:02
